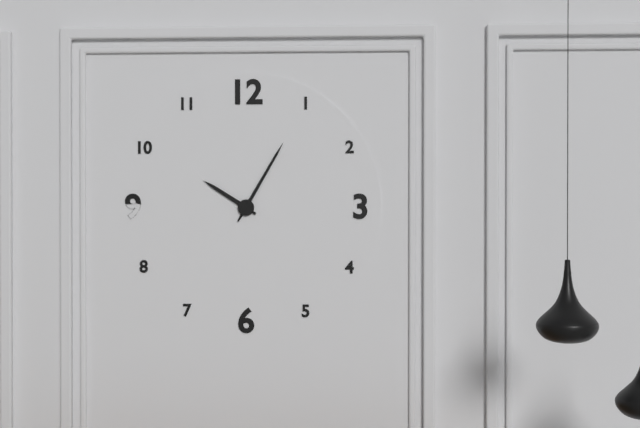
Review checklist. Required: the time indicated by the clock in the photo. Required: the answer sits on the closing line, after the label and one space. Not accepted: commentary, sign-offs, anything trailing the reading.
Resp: 10:05
